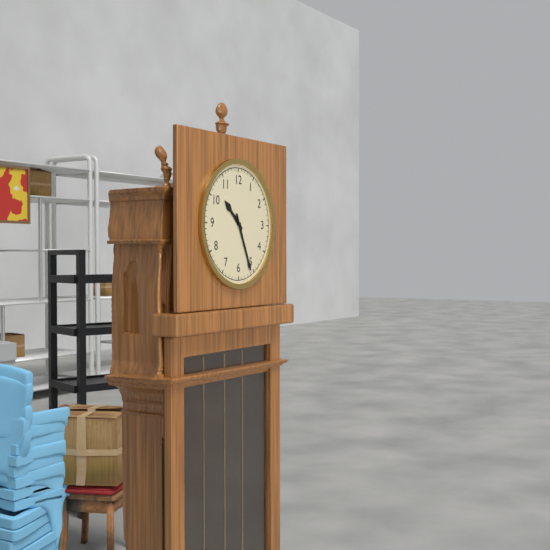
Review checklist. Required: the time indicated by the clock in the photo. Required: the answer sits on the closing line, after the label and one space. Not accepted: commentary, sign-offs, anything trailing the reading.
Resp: 10:26
